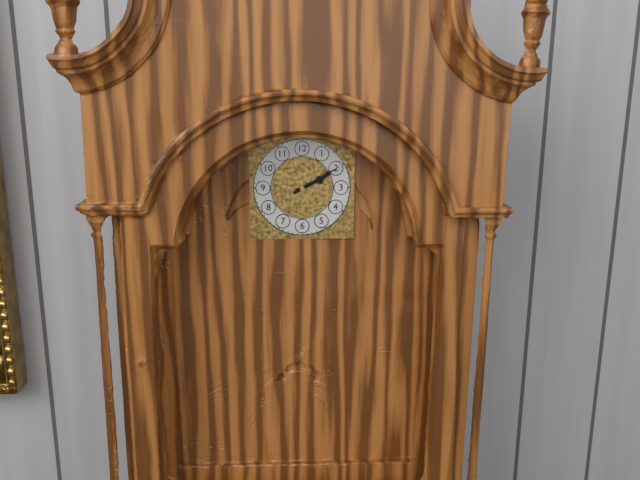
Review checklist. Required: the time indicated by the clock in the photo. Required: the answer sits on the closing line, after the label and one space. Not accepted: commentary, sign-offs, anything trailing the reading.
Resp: 2:10
